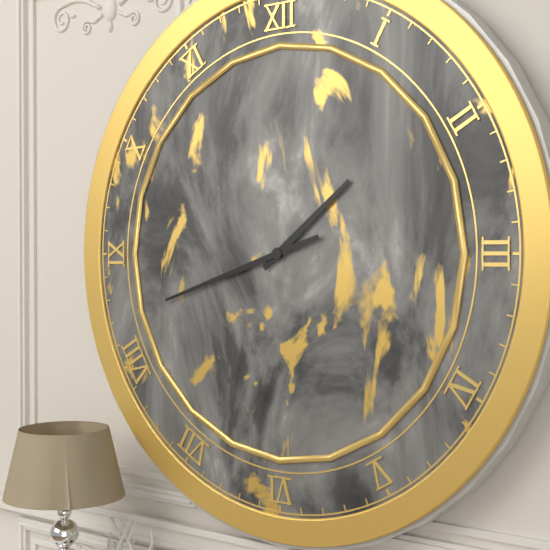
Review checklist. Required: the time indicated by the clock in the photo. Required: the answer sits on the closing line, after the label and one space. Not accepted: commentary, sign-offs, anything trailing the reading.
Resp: 1:42
